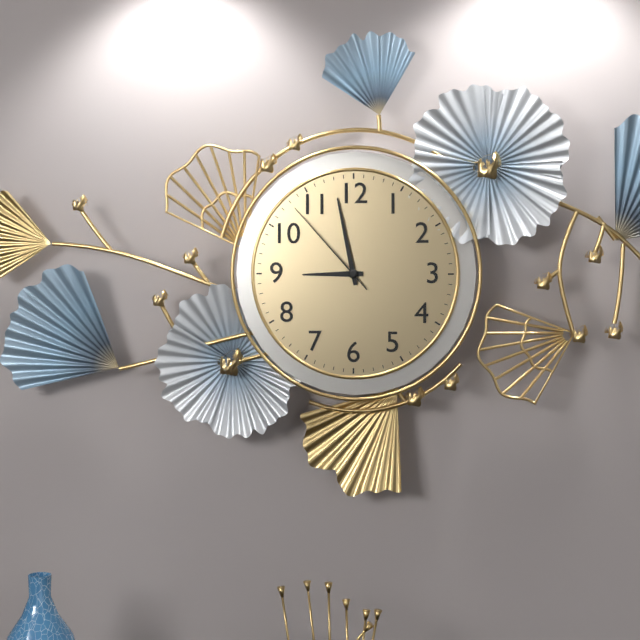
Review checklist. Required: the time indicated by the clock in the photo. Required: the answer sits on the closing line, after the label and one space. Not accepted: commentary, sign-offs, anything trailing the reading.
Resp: 8:58:53
